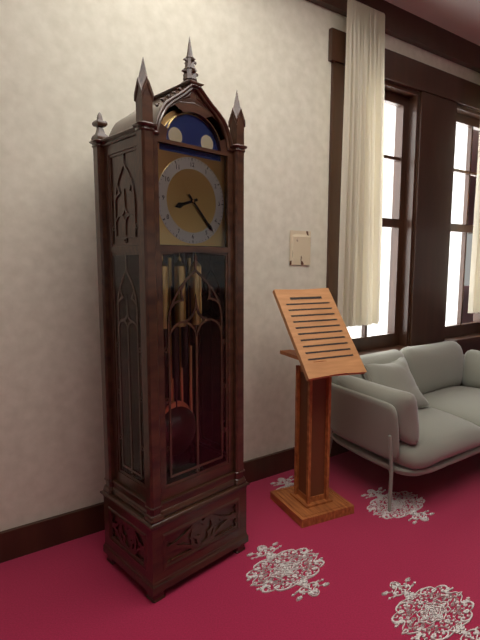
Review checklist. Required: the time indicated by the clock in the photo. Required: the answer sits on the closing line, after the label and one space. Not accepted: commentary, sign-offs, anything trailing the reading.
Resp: 8:23
